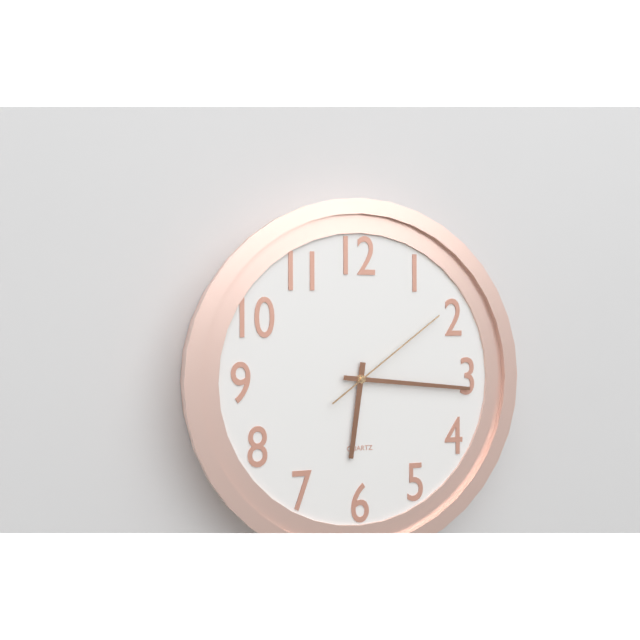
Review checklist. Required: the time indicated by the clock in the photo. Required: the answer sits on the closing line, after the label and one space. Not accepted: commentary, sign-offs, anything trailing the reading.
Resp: 6:16:09
